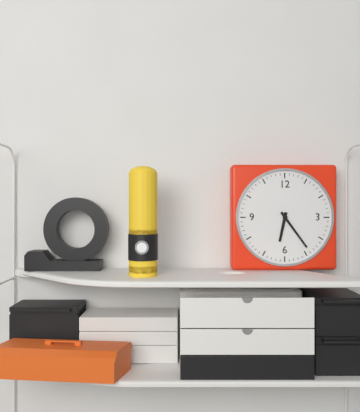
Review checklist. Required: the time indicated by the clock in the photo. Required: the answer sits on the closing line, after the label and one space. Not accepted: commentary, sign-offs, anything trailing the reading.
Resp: 6:24
